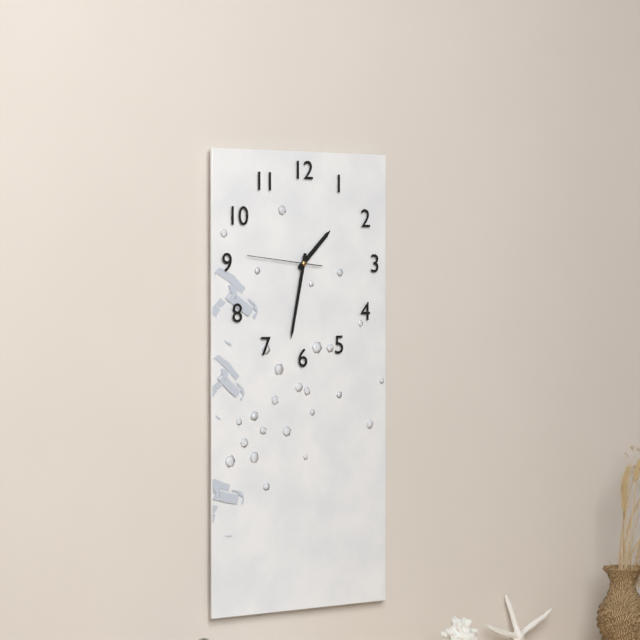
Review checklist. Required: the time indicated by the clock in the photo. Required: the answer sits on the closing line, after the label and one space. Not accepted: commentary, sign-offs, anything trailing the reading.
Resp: 1:32:46
